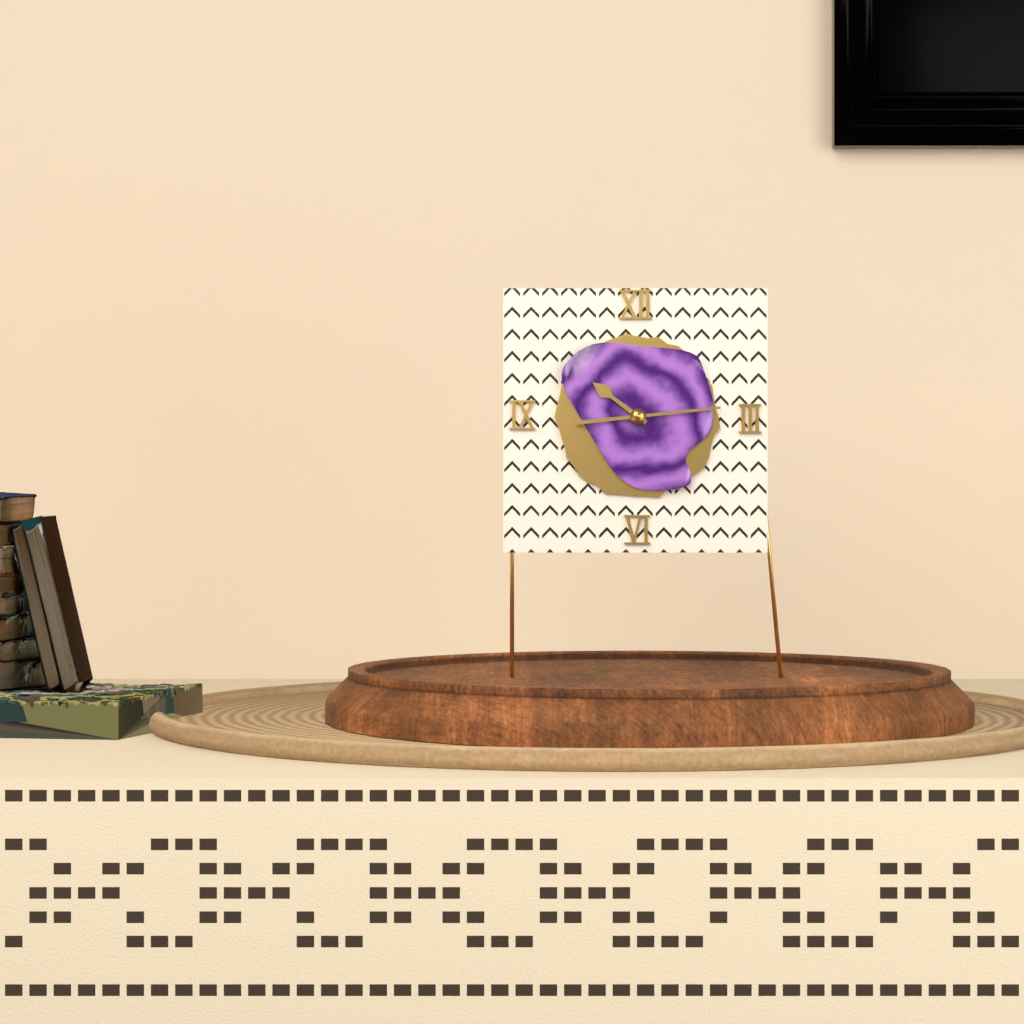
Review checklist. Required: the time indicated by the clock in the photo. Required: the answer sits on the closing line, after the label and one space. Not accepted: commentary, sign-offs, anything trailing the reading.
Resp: 10:14
